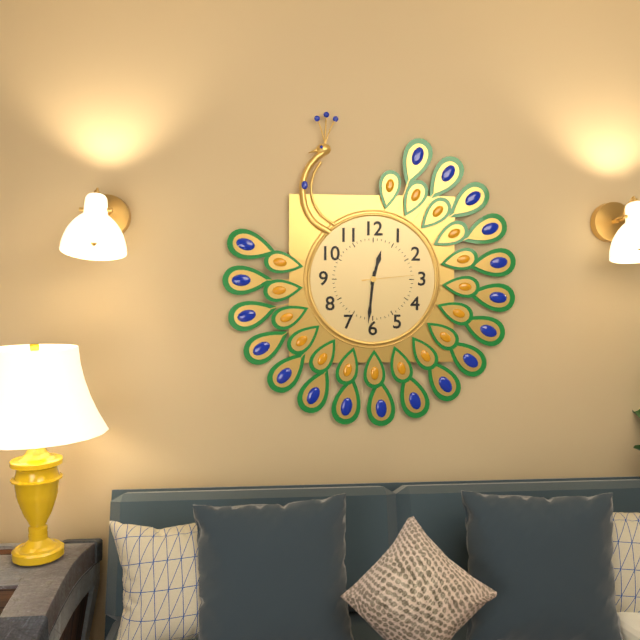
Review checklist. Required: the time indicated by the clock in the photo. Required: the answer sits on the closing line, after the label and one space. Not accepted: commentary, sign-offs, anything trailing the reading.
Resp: 12:31:14
